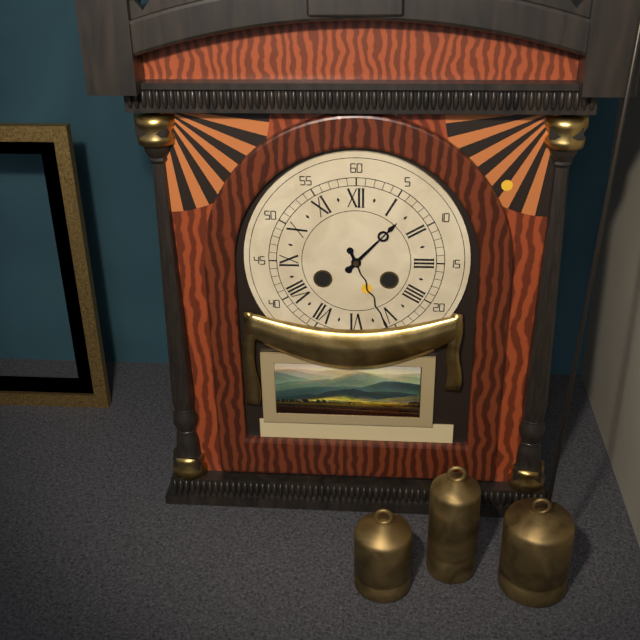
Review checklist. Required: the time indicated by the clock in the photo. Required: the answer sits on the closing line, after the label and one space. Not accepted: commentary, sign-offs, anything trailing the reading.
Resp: 1:26
